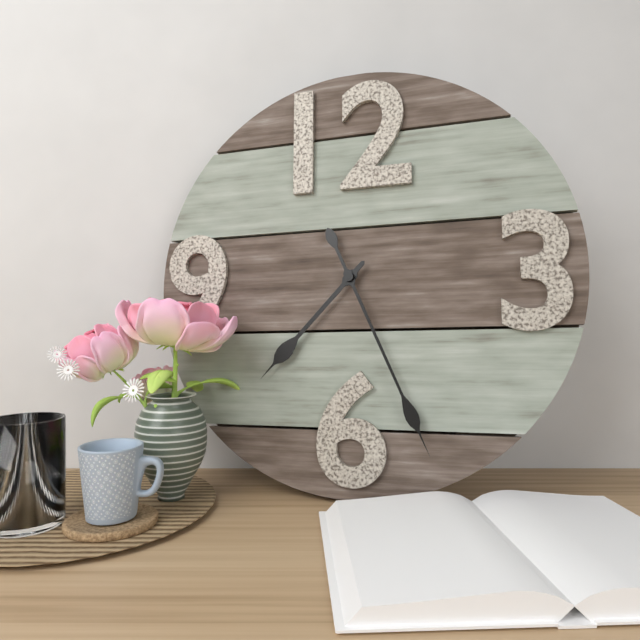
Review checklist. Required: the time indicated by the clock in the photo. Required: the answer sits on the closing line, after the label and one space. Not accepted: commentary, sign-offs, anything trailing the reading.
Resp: 7:26
